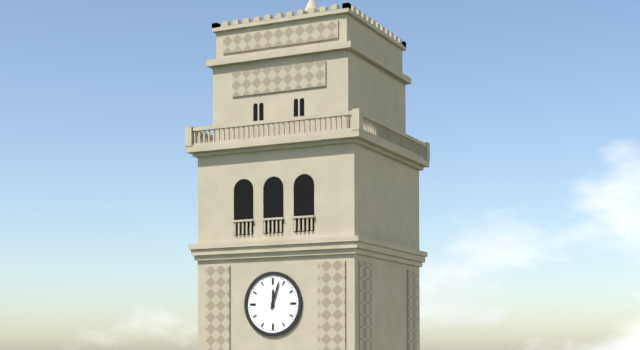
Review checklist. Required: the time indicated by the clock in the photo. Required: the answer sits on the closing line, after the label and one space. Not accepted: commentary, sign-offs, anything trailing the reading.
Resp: 12:03
